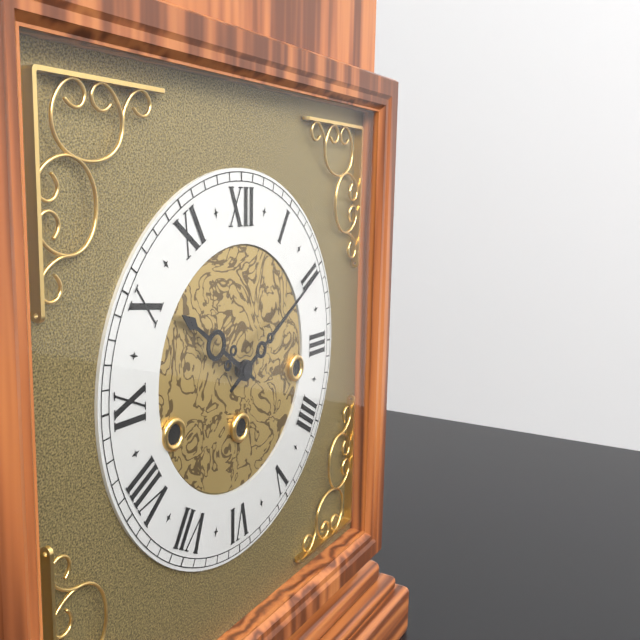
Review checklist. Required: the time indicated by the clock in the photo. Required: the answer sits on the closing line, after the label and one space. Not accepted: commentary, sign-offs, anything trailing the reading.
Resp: 10:10
